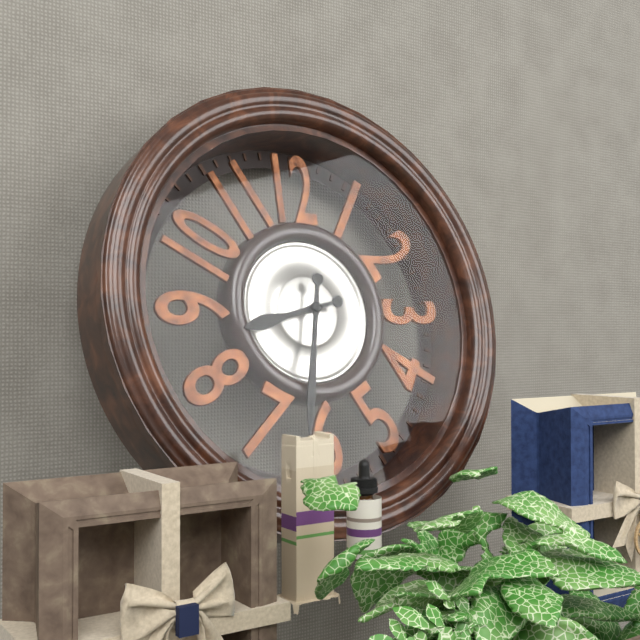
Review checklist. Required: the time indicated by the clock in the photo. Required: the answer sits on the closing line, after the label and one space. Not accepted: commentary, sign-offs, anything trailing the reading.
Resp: 8:32
